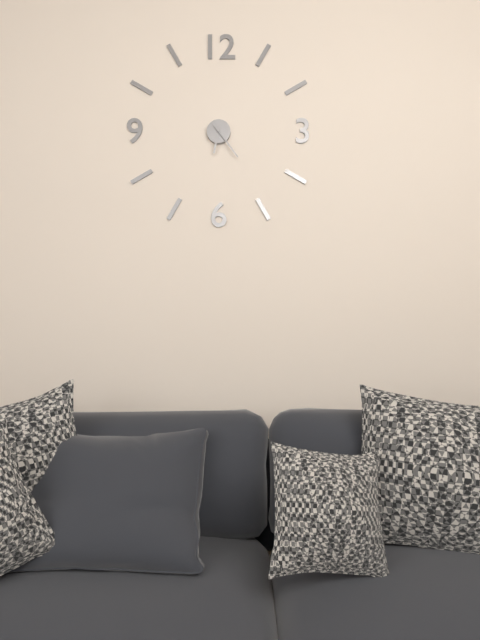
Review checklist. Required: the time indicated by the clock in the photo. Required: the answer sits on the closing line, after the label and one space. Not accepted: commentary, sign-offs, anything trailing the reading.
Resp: 6:24
